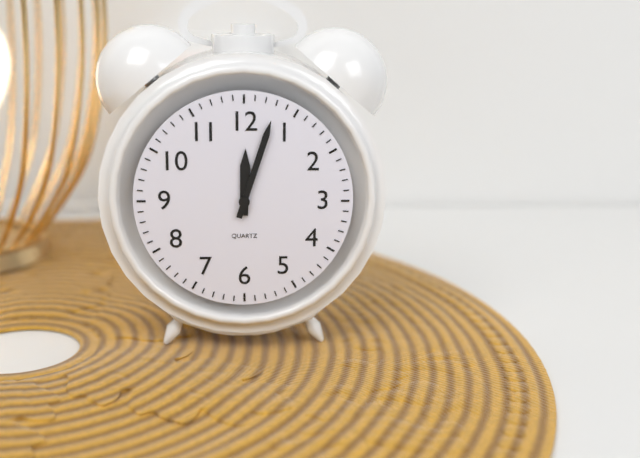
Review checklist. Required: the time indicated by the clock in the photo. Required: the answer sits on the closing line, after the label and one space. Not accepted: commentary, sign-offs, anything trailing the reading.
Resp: 12:03
